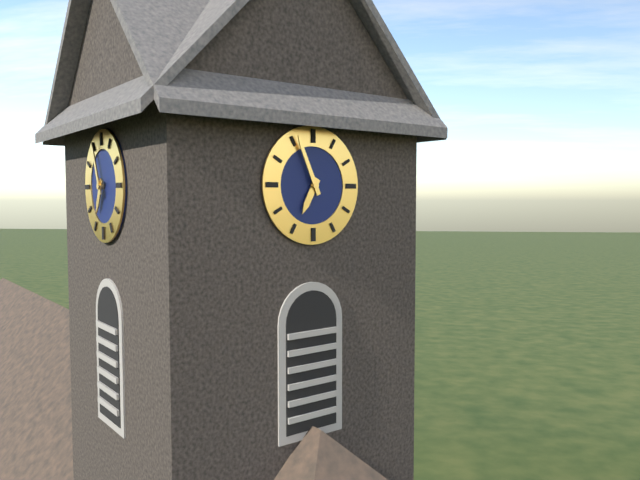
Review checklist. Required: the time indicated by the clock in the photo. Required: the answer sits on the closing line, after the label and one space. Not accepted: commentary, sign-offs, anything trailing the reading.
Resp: 6:56
